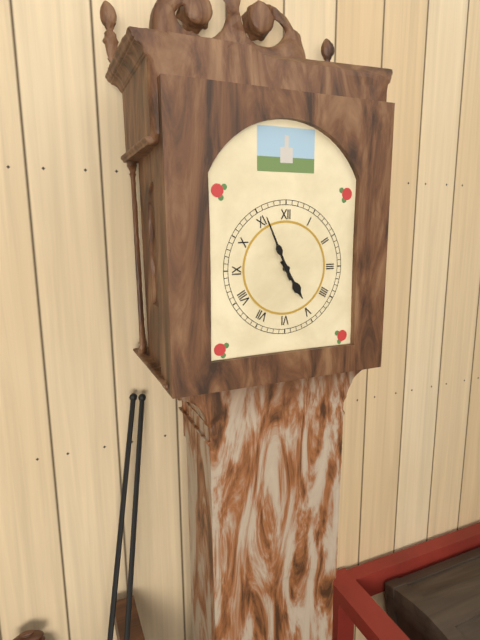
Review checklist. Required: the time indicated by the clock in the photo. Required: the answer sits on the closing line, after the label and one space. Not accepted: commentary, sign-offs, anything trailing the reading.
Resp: 4:56
